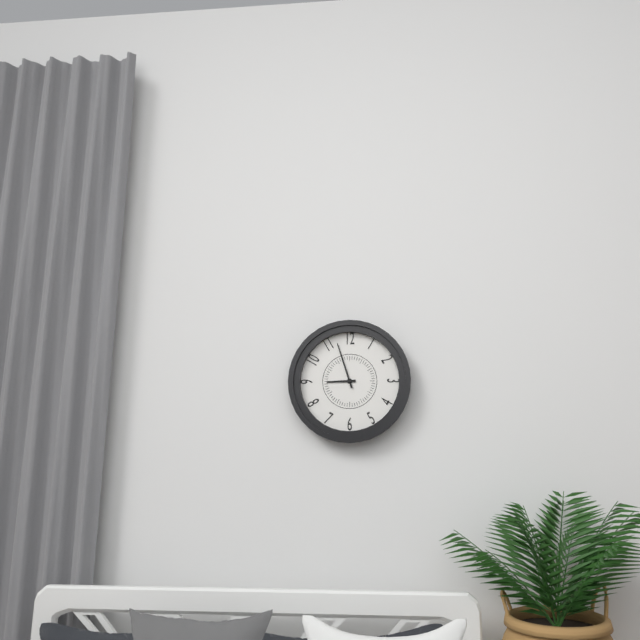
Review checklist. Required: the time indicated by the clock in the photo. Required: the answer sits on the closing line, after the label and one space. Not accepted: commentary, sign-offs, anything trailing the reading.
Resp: 8:57
